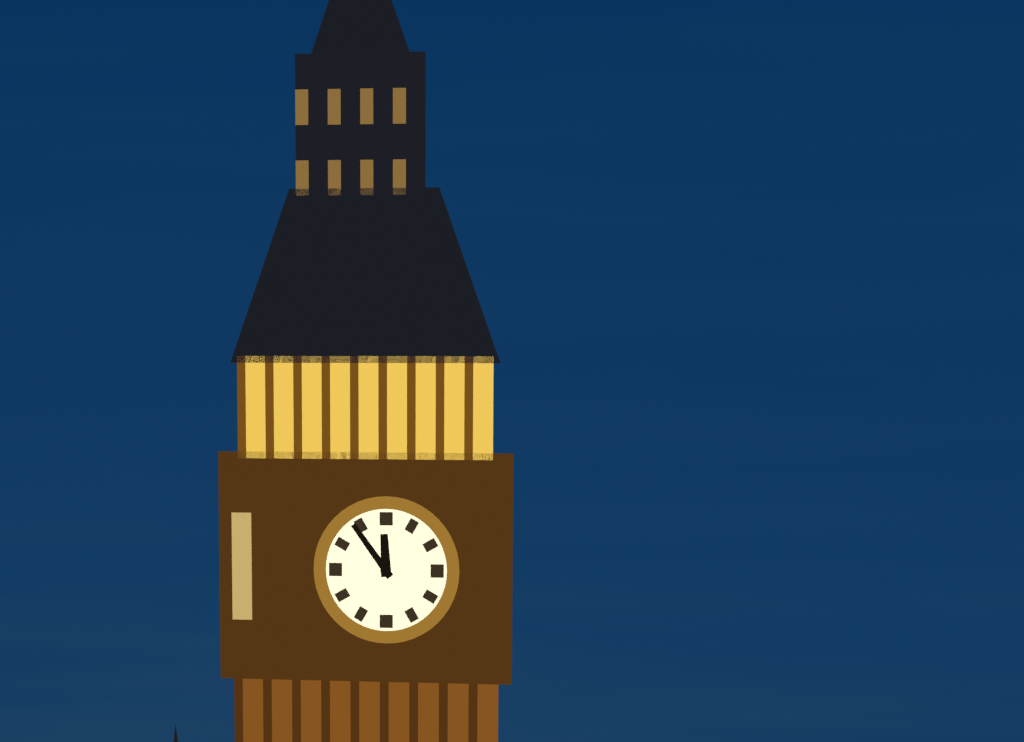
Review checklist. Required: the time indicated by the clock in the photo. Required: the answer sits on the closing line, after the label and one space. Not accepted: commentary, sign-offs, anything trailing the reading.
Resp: 11:54
